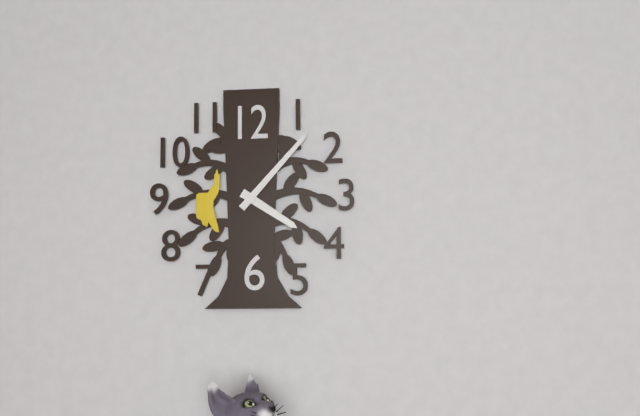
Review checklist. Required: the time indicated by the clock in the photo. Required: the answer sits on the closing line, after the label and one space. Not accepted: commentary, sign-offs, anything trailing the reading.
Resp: 4:07
